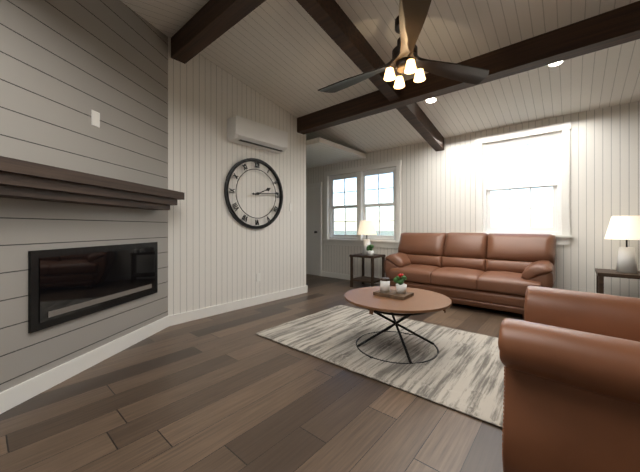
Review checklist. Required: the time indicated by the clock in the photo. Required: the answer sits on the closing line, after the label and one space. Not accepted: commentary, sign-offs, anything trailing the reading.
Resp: 2:14
